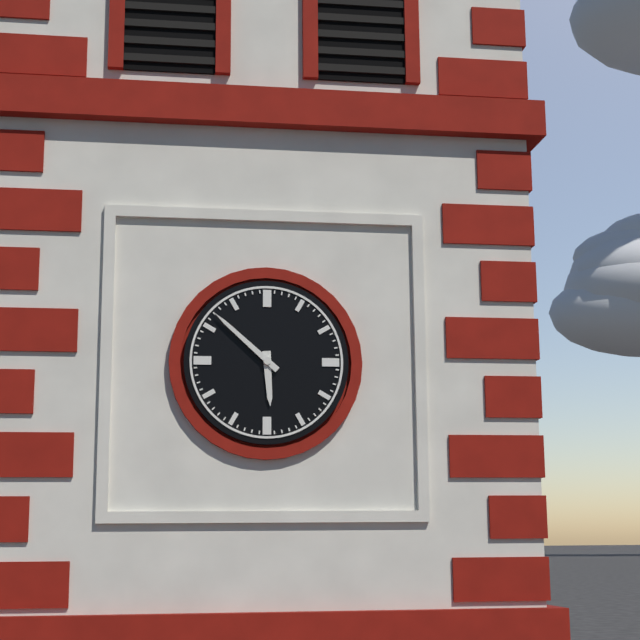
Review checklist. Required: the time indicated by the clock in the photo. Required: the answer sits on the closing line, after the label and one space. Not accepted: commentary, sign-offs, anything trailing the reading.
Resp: 5:52
